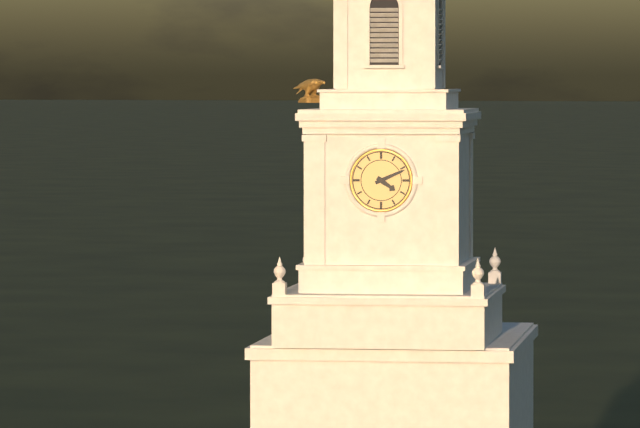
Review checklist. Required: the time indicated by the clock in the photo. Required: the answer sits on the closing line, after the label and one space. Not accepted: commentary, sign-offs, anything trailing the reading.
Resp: 4:11
